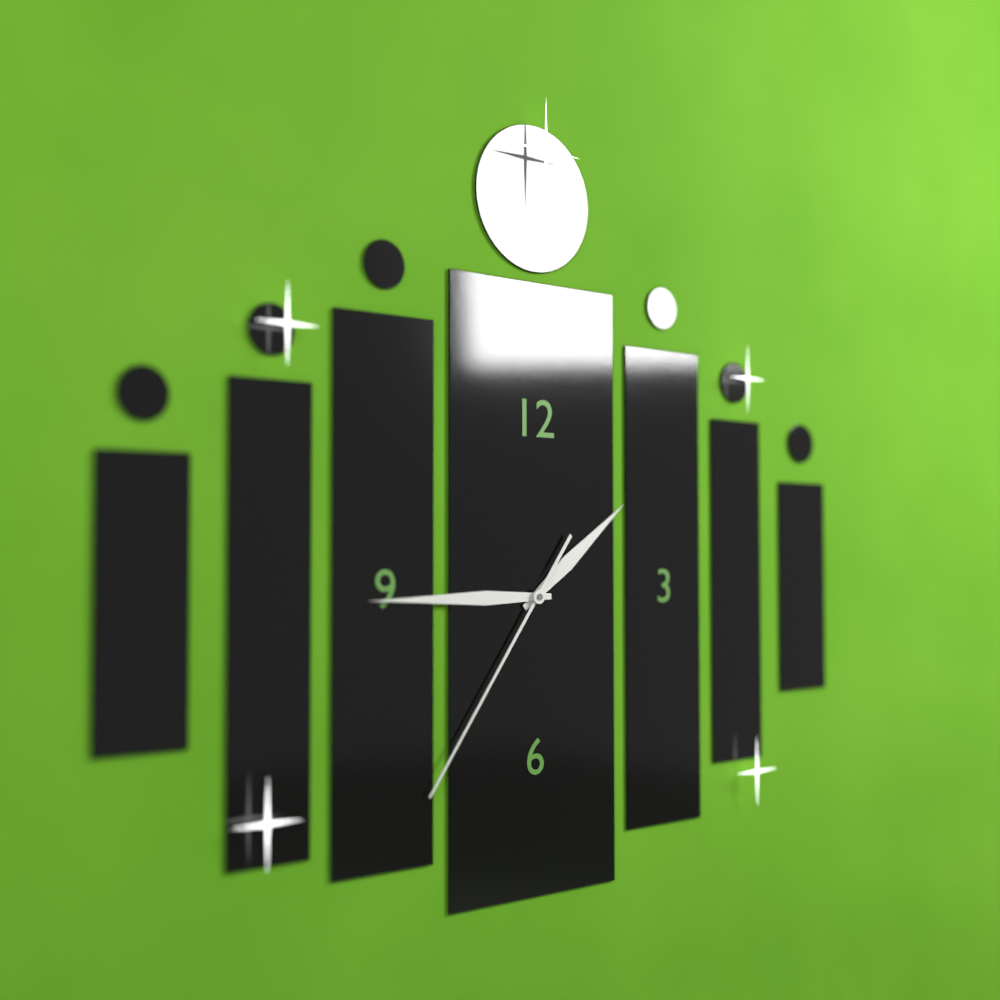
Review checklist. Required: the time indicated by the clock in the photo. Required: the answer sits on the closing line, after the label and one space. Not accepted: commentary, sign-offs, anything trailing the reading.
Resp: 1:45:36
